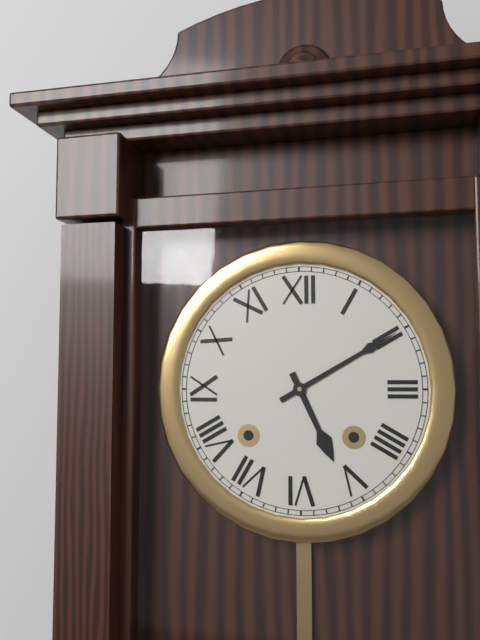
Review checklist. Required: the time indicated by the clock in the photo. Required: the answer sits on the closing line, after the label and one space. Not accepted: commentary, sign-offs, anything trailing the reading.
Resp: 5:10
